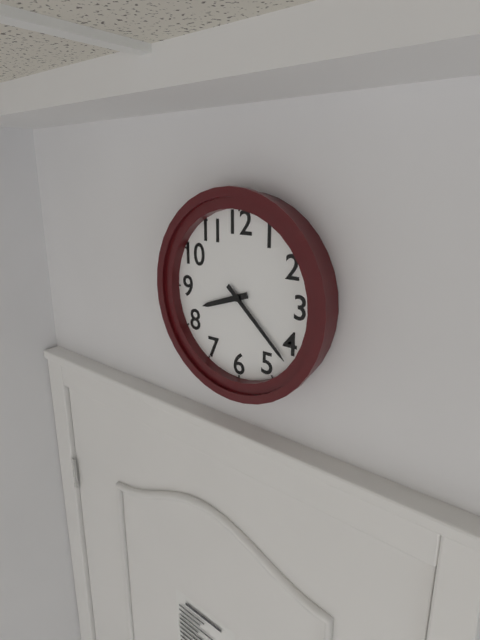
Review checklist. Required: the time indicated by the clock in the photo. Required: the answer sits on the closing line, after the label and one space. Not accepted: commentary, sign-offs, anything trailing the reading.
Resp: 8:22
